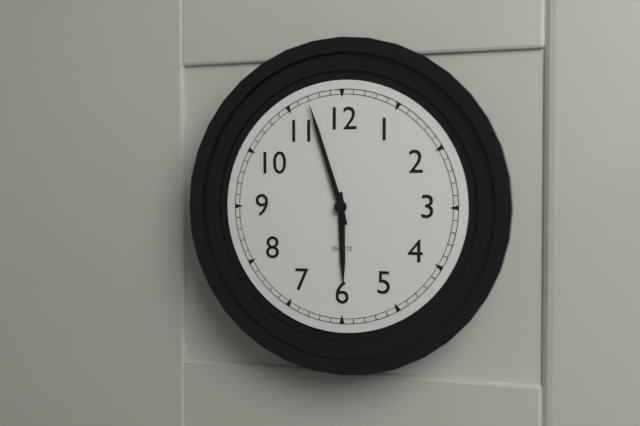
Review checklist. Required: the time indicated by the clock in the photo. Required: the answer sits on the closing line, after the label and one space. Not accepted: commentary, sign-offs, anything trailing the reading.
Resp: 5:57
